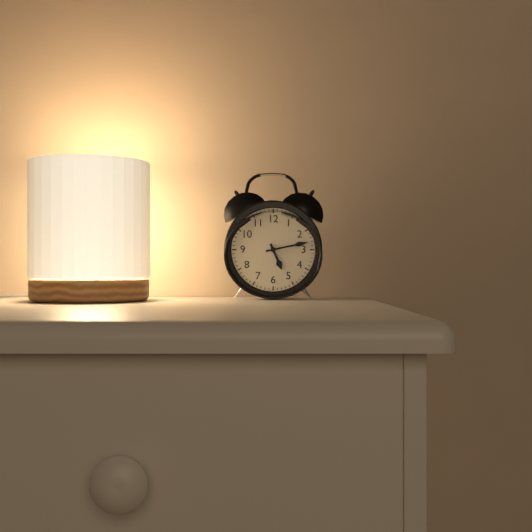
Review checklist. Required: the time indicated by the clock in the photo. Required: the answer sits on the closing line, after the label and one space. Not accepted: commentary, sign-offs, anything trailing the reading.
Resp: 5:13
